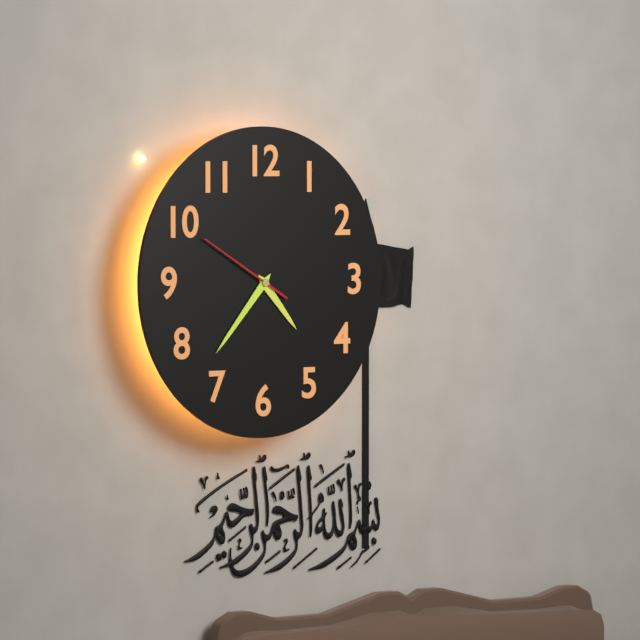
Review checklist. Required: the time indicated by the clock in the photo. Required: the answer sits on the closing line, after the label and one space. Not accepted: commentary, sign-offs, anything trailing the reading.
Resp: 4:37:50
